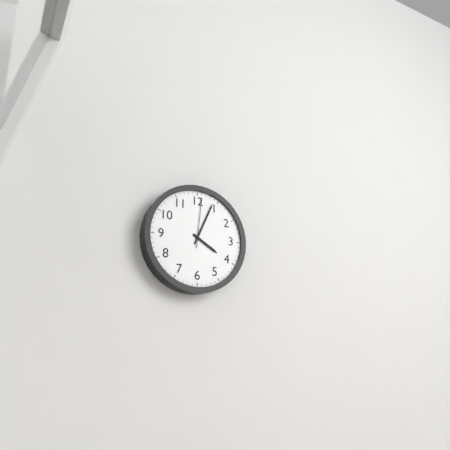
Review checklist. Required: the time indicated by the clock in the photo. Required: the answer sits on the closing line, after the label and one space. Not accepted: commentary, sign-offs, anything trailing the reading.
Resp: 4:04:01
